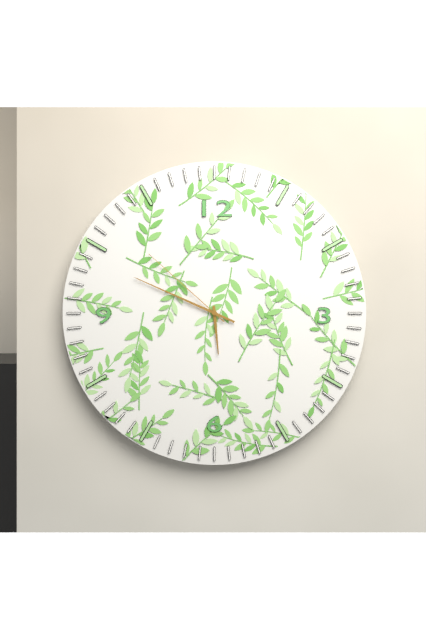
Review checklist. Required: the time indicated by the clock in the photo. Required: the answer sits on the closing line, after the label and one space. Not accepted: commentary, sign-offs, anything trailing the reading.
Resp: 5:49:52
